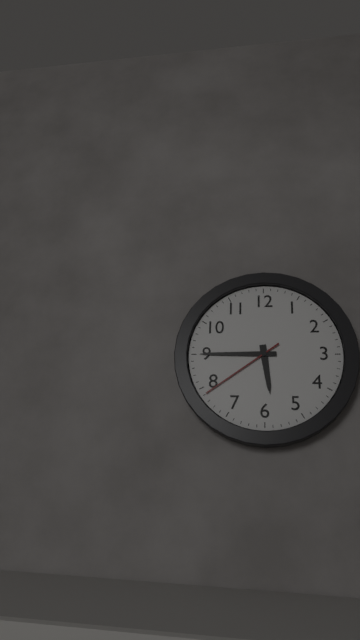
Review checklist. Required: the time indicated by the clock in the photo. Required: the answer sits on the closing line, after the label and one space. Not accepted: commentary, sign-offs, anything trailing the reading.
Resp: 5:45:39
